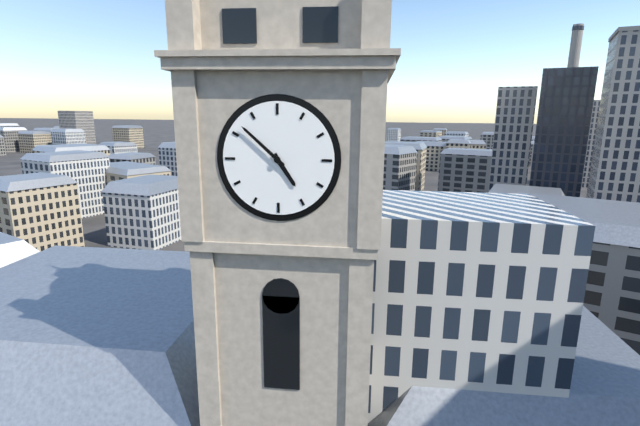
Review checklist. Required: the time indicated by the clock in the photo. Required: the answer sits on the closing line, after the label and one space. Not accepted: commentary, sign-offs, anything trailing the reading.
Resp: 4:52
